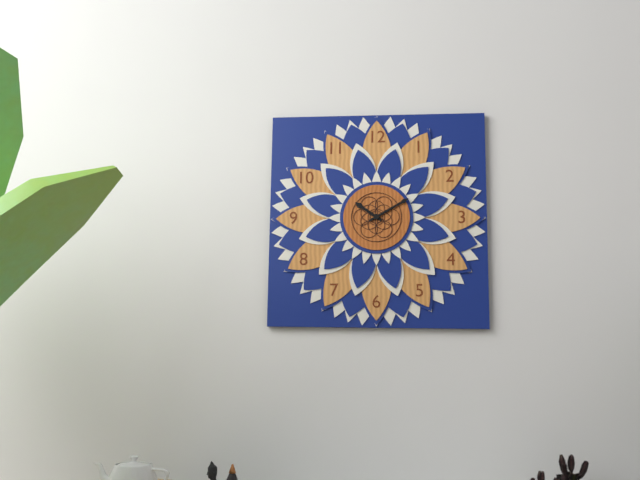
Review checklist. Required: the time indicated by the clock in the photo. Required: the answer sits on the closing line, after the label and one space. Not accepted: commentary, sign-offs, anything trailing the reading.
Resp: 10:10
